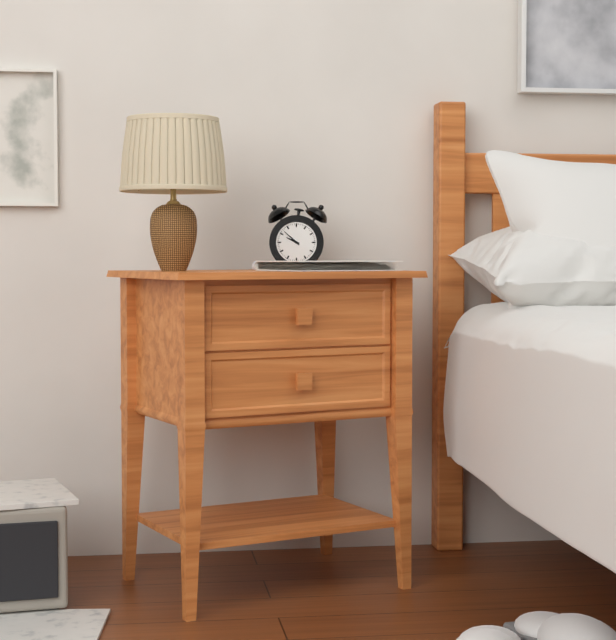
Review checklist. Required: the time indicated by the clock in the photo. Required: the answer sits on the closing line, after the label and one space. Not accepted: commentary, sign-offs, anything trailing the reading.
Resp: 9:52
